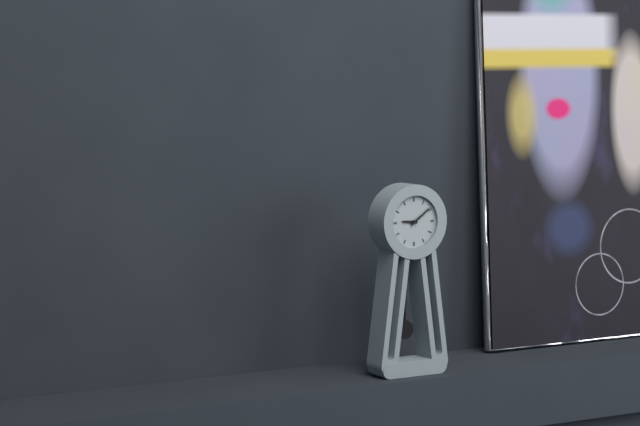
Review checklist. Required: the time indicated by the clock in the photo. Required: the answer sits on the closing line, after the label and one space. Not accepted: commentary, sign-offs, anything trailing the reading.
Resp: 9:09
